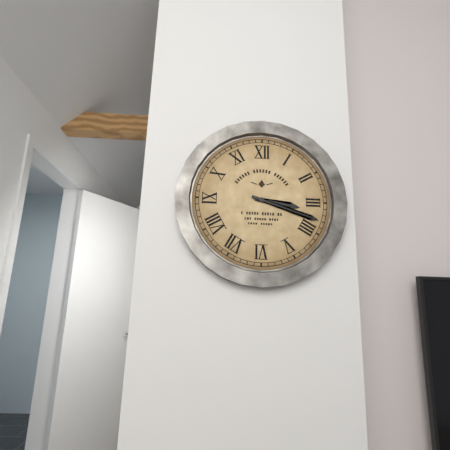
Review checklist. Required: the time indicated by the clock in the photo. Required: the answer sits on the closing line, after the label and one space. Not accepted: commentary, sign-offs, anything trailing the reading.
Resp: 3:18
